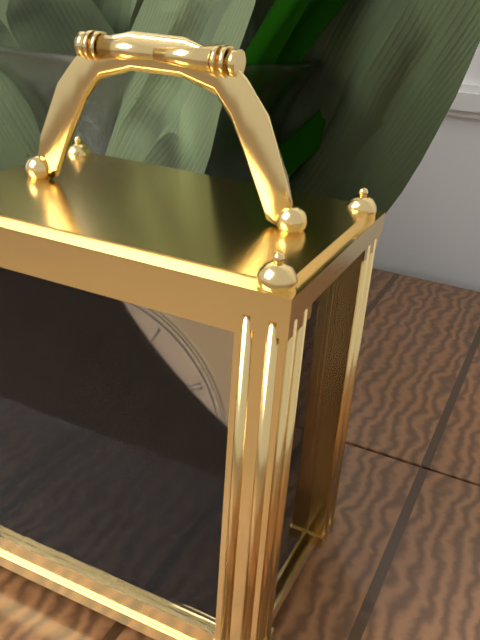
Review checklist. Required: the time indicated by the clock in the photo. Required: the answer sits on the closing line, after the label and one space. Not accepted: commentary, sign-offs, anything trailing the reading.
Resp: 2:12
